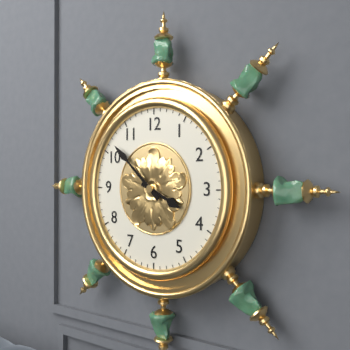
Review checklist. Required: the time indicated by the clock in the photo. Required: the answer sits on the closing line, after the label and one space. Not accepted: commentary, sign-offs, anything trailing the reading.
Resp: 3:52
